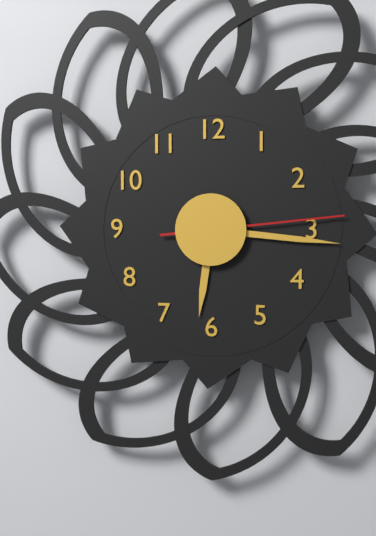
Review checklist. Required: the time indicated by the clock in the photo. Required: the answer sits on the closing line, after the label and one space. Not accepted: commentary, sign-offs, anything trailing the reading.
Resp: 6:16:14
